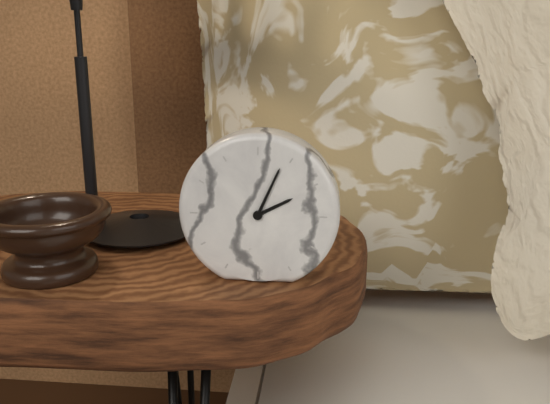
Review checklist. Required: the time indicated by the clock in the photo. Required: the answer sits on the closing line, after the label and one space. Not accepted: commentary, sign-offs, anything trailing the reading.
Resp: 2:04
